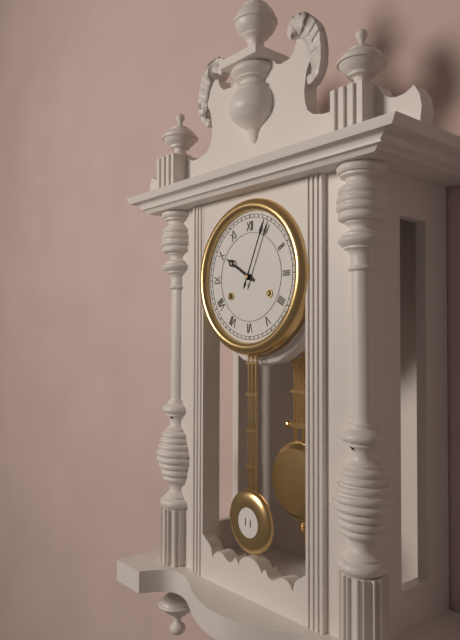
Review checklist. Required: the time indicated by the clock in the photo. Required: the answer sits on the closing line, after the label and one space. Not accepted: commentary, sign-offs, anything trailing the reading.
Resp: 10:04
